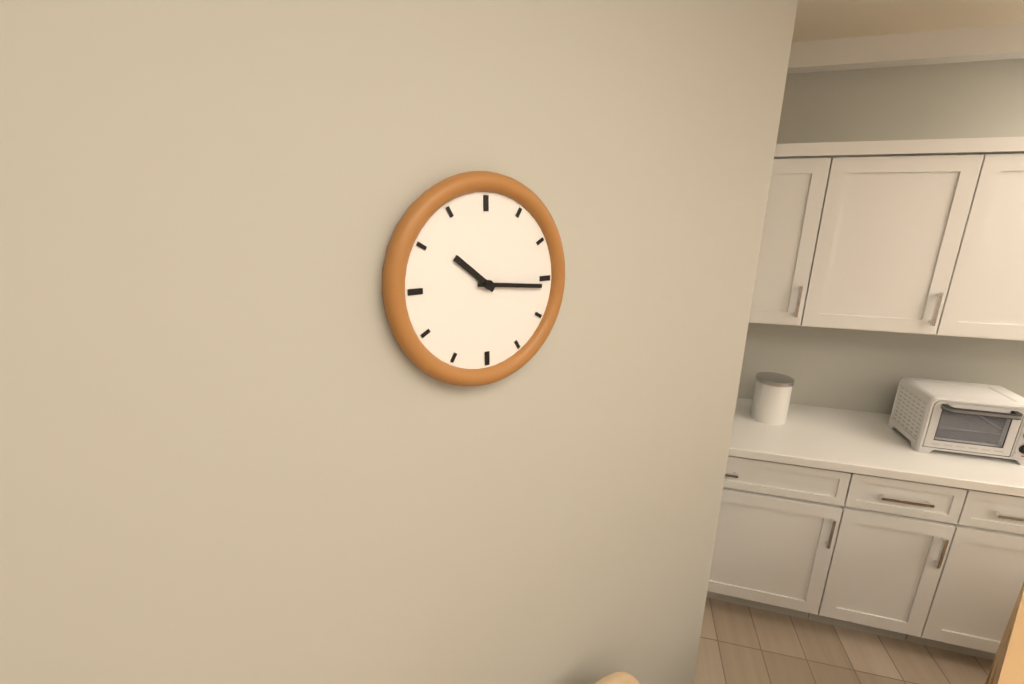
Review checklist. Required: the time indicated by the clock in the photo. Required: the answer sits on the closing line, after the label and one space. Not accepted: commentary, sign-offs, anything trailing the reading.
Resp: 10:16
